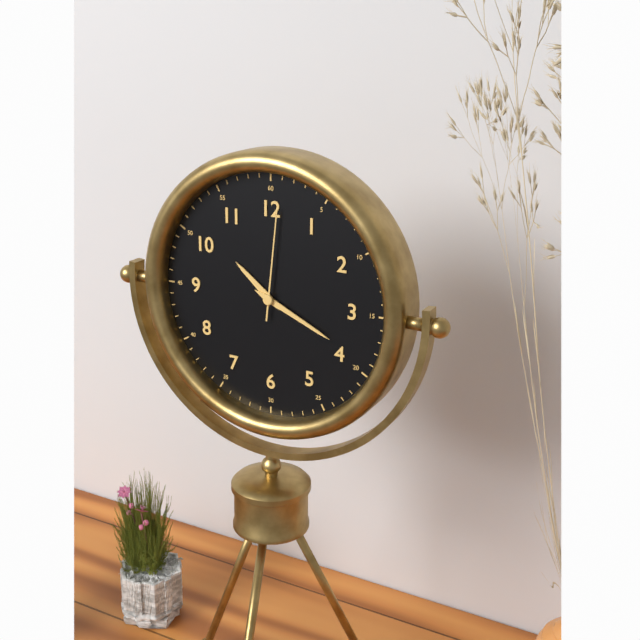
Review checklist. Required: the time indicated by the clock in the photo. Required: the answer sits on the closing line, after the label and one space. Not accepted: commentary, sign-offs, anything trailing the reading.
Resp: 10:19:01
